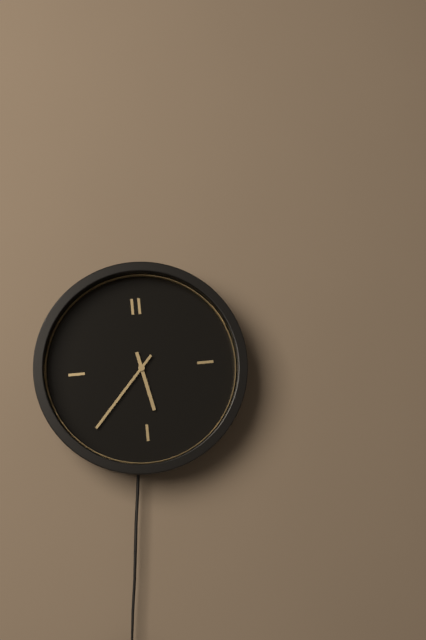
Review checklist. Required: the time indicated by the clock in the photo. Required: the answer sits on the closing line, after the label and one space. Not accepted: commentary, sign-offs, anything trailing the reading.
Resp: 5:37
